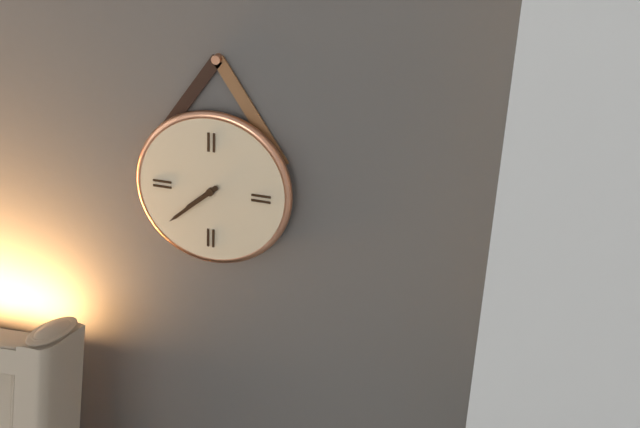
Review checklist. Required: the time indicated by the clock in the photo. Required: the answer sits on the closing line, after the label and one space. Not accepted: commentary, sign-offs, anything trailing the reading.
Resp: 7:38
